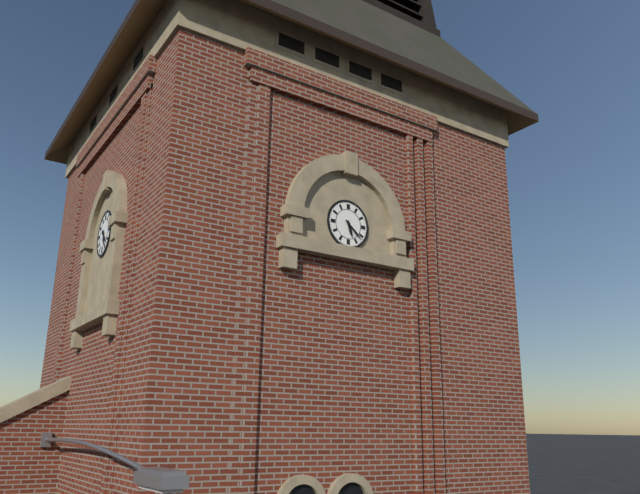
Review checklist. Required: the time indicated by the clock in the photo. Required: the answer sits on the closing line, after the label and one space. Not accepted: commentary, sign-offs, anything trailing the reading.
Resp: 5:22
